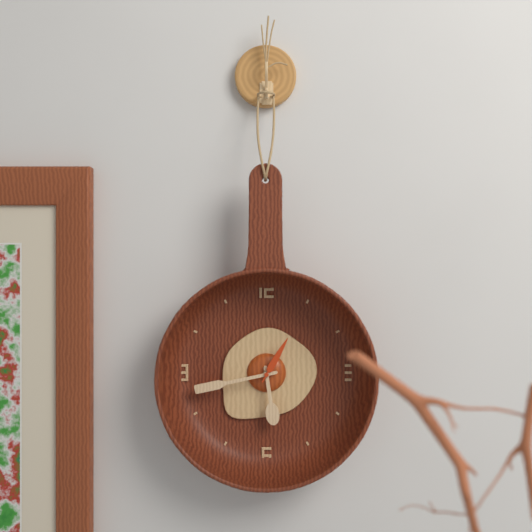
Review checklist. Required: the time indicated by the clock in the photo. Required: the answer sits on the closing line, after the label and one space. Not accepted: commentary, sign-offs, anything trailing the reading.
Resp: 5:43:05
